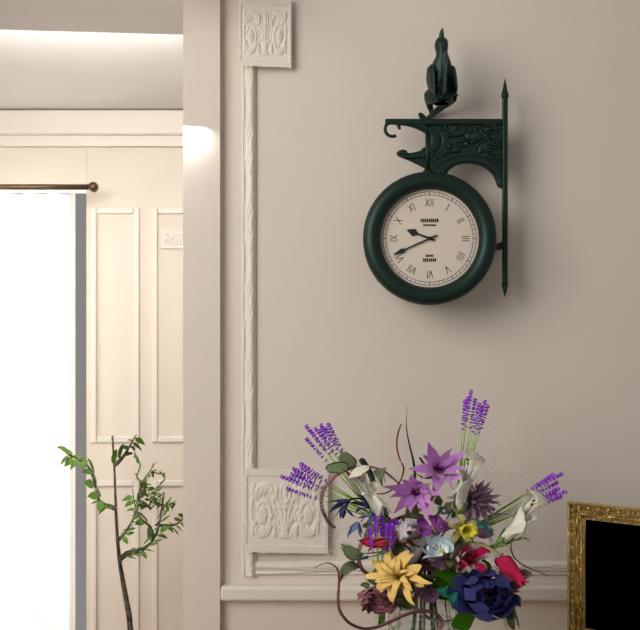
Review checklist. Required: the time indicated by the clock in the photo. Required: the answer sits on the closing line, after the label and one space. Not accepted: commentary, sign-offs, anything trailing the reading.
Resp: 9:41
